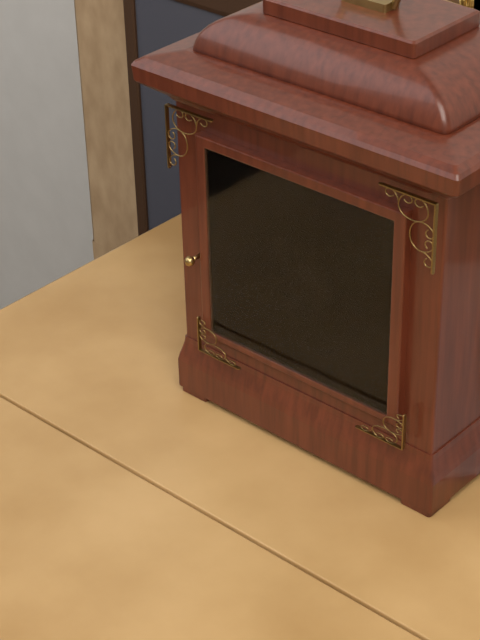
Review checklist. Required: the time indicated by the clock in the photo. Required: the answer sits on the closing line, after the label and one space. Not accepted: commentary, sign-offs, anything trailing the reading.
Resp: 10:49
